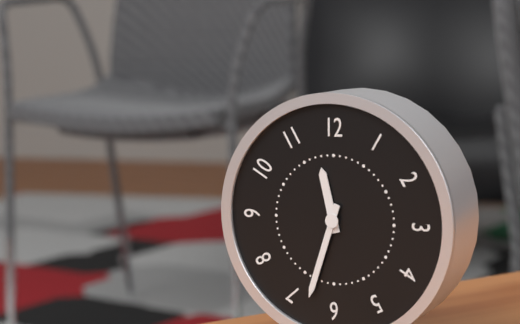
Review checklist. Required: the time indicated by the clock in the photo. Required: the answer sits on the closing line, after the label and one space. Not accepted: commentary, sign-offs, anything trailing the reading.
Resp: 11:33
